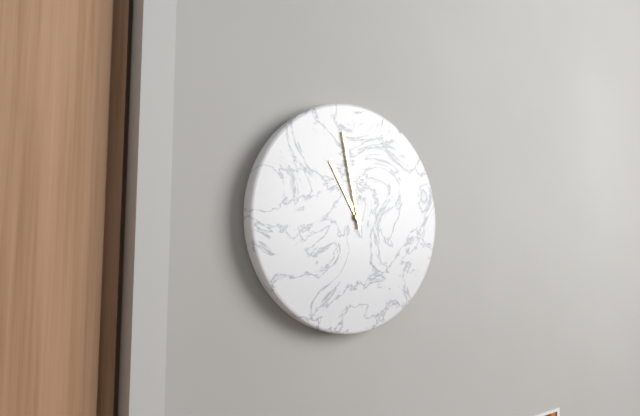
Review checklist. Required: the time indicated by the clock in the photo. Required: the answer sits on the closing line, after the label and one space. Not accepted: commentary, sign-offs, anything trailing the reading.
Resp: 10:58
